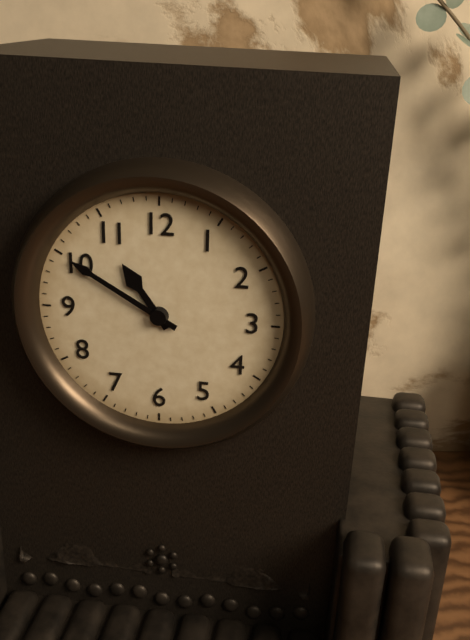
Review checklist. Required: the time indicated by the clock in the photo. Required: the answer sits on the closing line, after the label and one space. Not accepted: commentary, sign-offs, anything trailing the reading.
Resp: 10:50
